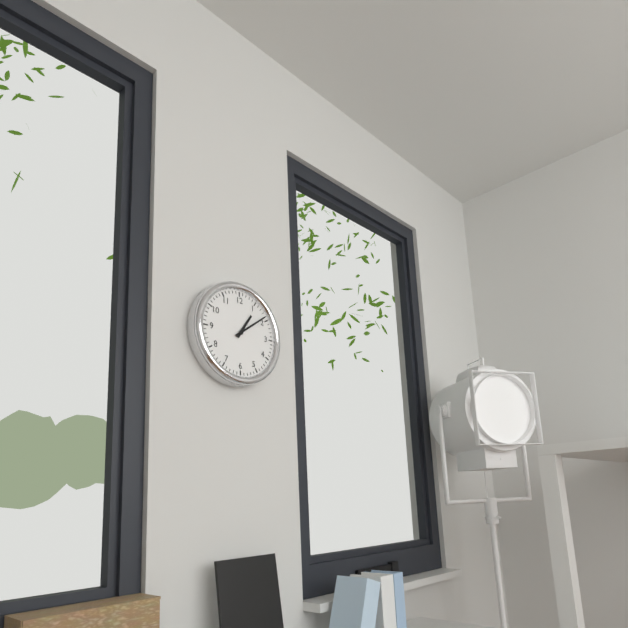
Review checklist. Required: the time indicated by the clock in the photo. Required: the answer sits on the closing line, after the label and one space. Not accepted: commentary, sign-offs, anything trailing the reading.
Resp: 1:09
